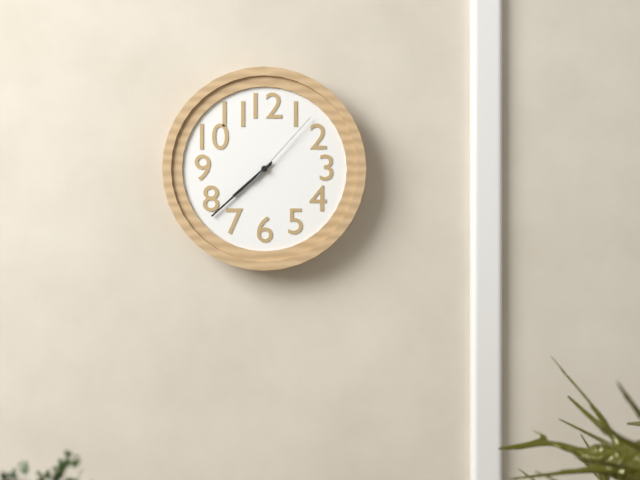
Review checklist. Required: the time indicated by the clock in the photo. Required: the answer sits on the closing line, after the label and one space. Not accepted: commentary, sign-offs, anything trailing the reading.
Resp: 7:38:07
